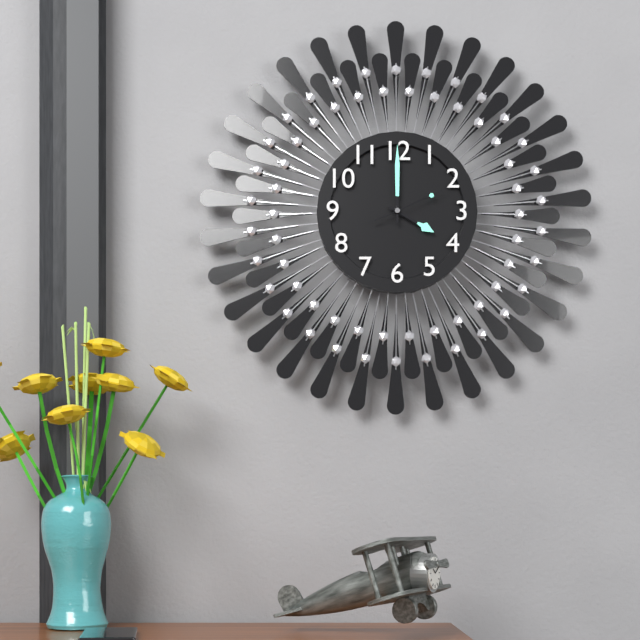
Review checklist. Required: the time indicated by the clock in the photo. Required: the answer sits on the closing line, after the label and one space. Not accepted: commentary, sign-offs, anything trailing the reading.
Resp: 4:00:11
